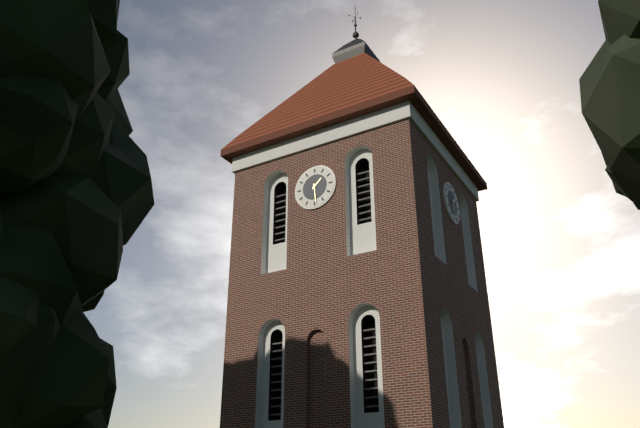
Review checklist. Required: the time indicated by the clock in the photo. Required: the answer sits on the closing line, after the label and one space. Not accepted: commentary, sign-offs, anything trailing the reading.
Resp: 1:29
